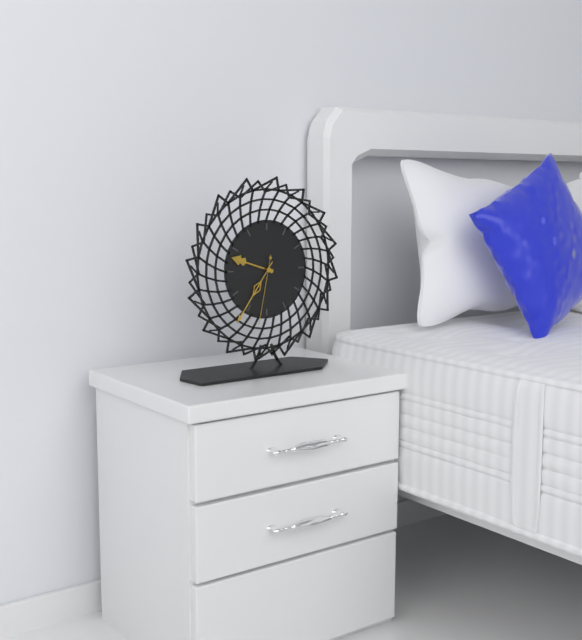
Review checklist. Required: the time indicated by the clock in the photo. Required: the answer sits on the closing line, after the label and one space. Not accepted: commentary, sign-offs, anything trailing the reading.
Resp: 9:36:32
